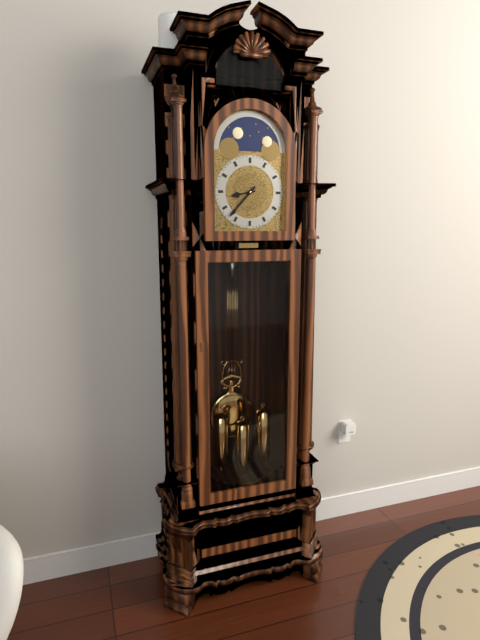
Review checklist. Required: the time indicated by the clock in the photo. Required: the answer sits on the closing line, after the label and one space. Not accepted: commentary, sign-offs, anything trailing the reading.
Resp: 8:37
